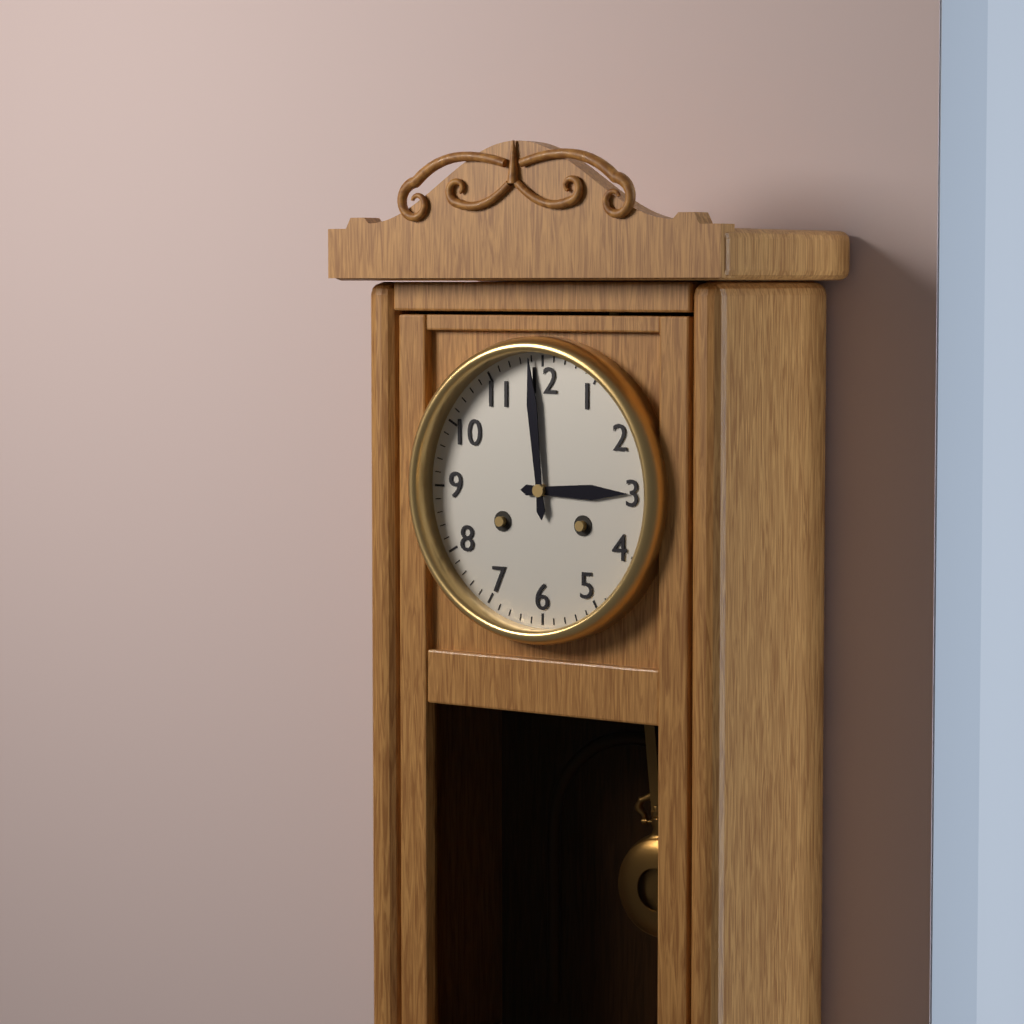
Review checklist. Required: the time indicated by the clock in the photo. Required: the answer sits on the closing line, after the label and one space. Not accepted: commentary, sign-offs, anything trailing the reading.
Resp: 2:59
